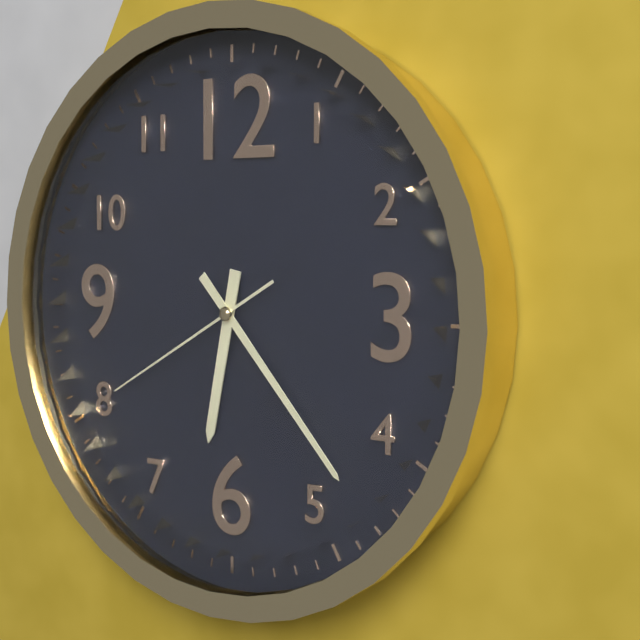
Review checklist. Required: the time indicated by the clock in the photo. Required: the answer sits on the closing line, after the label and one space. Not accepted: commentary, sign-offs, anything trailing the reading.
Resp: 6:23:40
